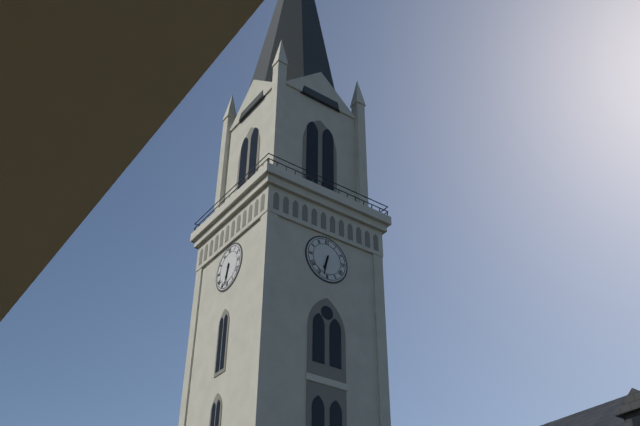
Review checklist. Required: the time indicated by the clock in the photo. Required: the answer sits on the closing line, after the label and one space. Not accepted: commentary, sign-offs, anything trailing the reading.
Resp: 6:32
